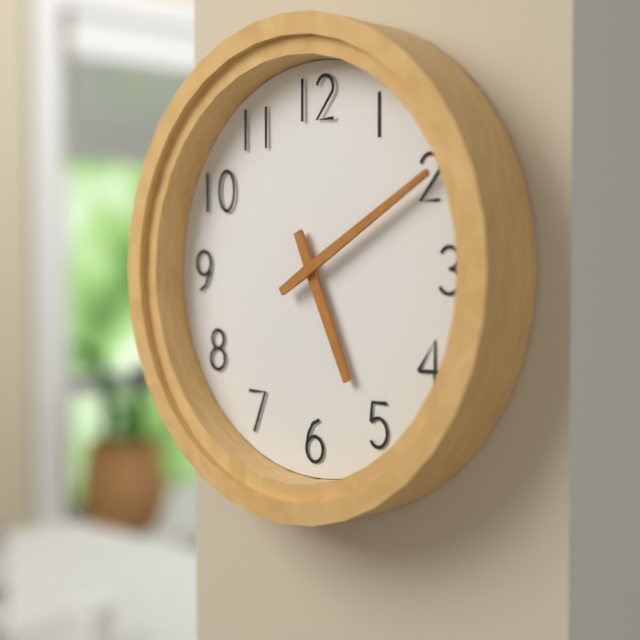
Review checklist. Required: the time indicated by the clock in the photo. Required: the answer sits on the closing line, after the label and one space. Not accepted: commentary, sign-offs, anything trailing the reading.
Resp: 5:10
